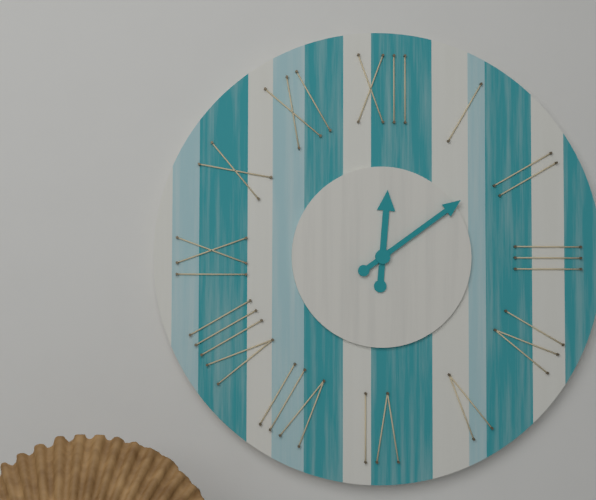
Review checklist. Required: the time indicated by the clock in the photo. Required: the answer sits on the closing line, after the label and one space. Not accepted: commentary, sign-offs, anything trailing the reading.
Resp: 12:09
